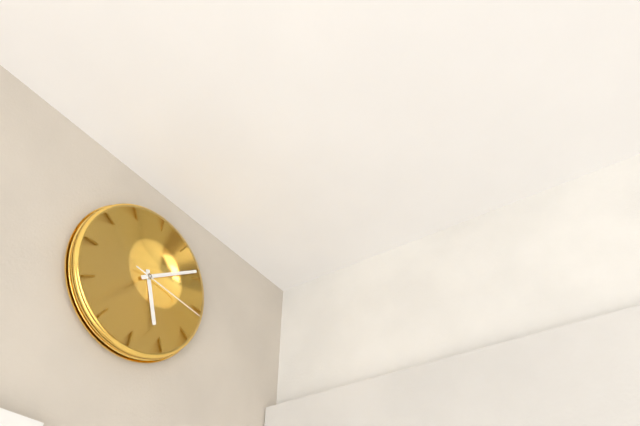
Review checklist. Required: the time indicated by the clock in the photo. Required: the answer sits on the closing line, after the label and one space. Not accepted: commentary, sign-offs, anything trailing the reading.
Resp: 5:09:16
